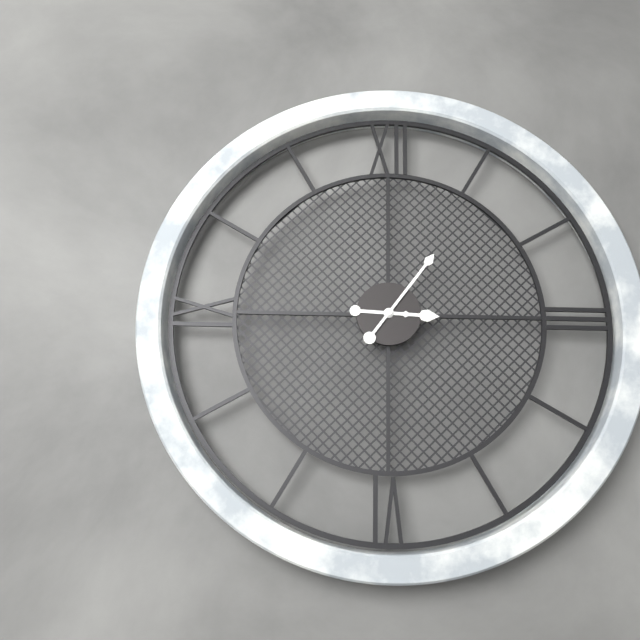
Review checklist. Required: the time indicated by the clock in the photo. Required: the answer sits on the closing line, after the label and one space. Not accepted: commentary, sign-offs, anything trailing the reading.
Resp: 3:06
